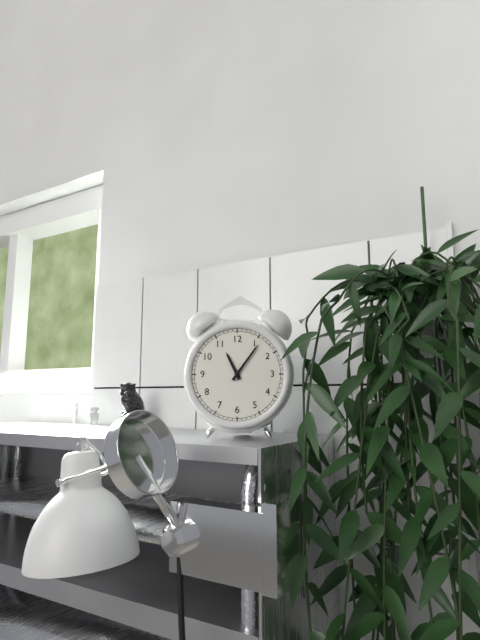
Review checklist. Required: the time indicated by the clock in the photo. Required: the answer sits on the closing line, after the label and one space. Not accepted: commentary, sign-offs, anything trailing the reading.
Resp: 11:06
